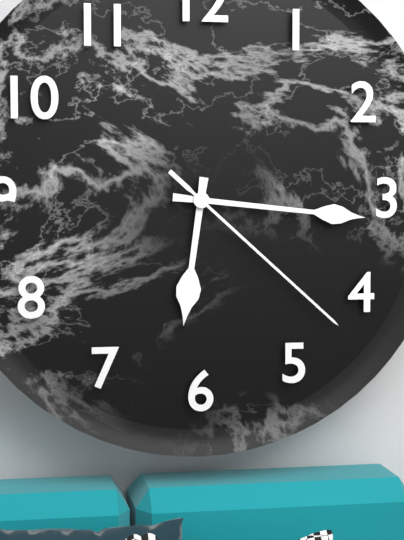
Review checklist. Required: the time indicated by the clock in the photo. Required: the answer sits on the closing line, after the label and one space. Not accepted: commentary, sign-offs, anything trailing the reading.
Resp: 6:16:22
